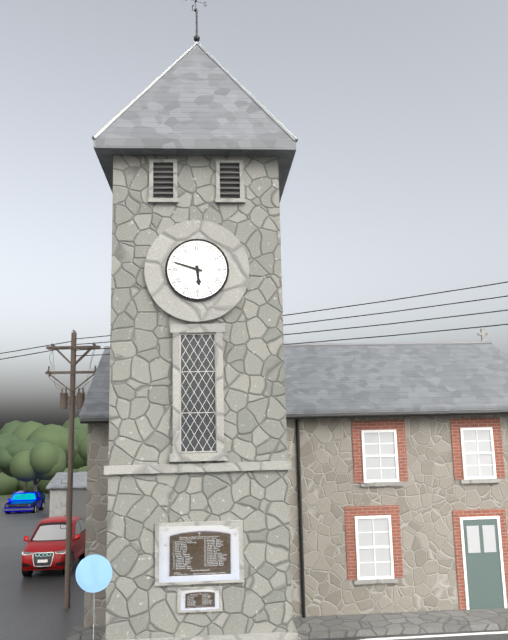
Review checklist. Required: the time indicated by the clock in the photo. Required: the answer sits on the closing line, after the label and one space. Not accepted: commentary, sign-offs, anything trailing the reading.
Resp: 5:48
